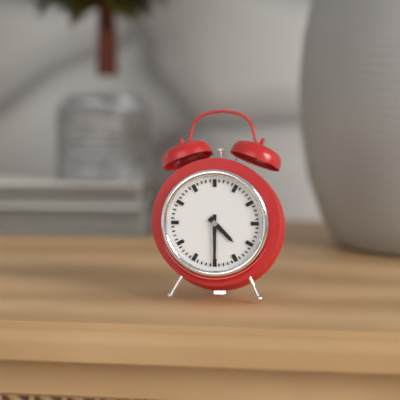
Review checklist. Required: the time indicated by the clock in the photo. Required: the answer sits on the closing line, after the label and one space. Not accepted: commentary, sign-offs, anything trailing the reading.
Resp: 4:30
